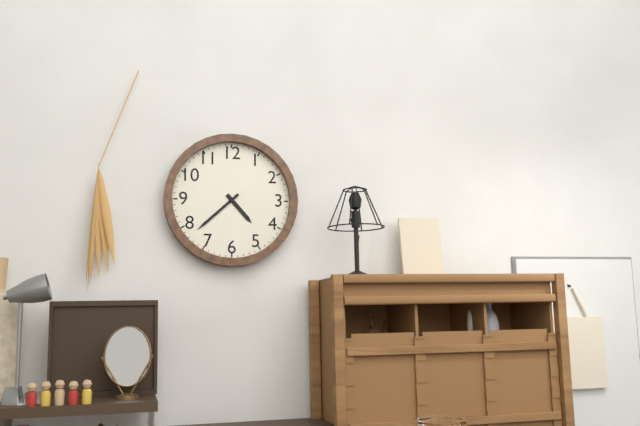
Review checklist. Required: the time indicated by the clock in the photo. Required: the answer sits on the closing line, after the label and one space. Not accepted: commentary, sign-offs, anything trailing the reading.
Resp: 4:38
